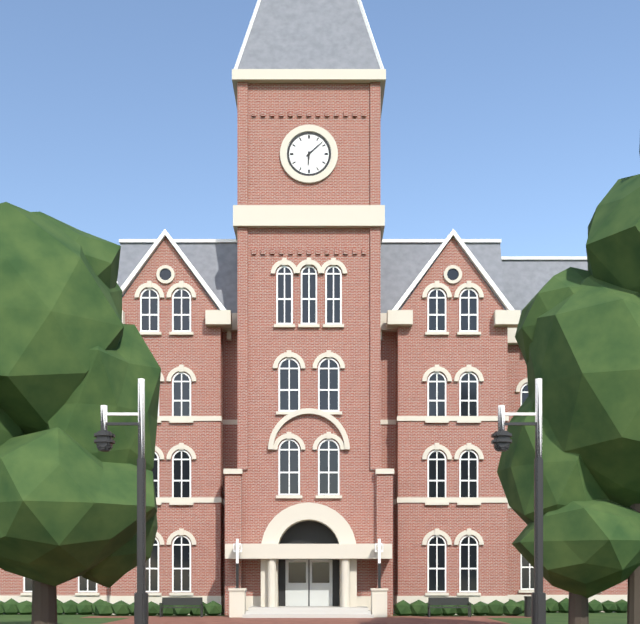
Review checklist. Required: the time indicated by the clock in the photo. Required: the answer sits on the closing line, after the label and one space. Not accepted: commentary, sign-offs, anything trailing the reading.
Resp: 6:08
